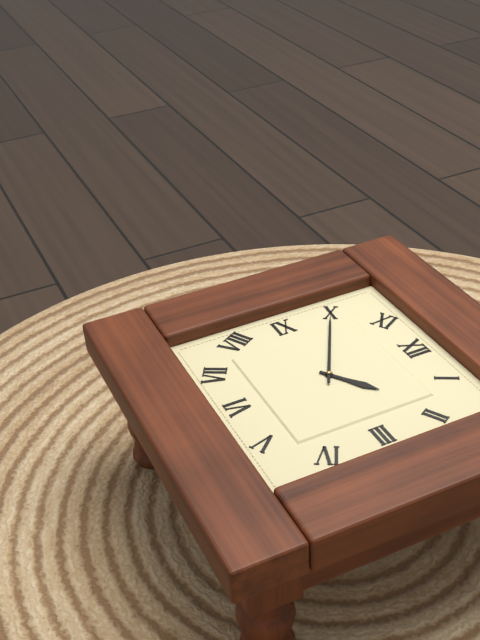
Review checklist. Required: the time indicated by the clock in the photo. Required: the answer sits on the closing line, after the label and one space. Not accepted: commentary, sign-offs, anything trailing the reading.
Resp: 1:50
